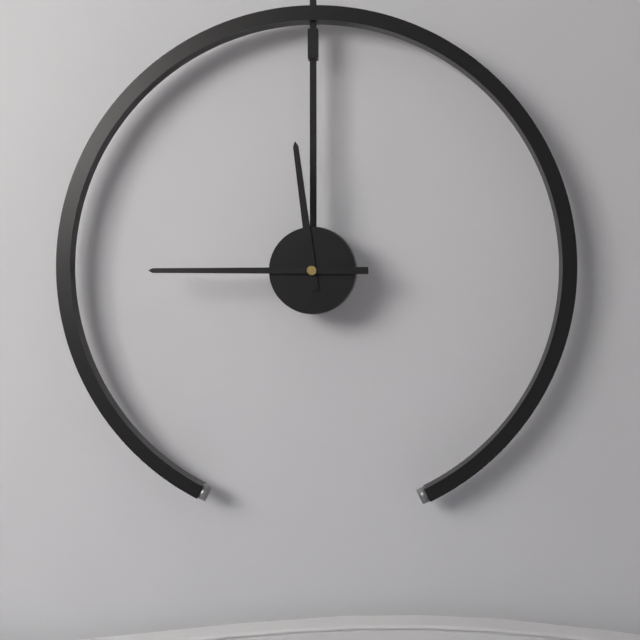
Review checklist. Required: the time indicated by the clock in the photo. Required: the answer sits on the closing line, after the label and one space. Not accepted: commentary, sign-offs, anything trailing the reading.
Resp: 11:45
